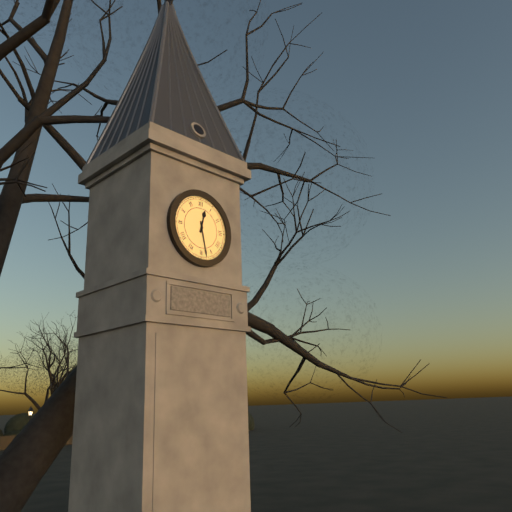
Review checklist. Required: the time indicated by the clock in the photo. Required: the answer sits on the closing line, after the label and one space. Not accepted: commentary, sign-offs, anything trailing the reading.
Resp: 12:28
